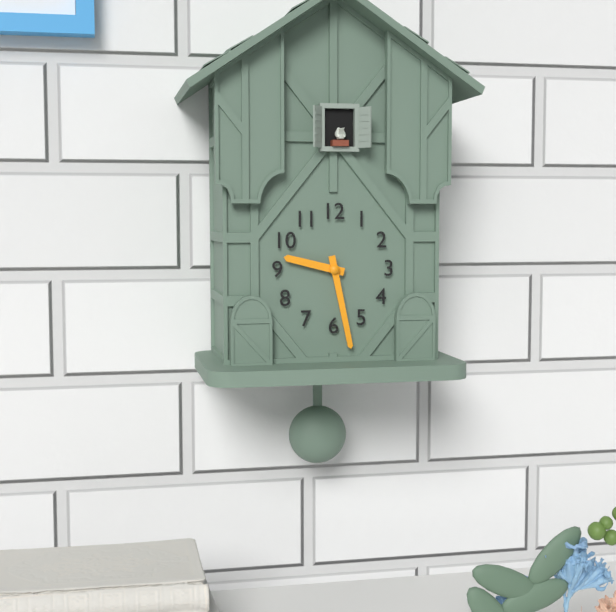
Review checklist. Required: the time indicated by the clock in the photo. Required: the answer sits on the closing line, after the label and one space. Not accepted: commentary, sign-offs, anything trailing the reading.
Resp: 9:28
